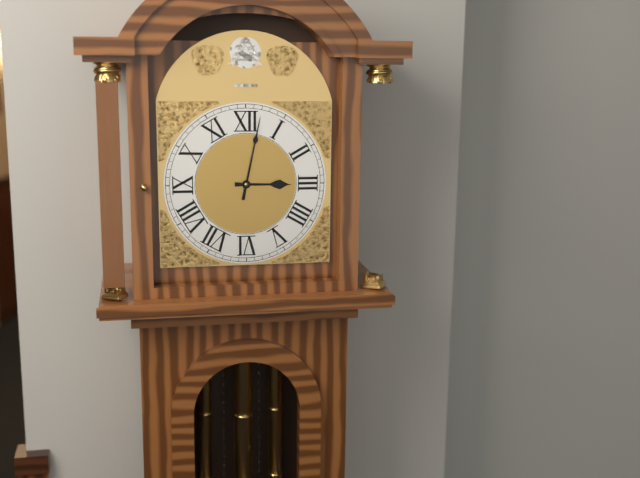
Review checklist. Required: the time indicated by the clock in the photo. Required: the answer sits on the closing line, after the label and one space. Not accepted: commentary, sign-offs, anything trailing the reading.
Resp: 3:02
